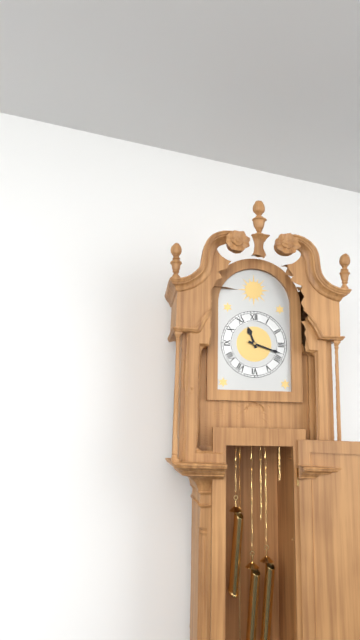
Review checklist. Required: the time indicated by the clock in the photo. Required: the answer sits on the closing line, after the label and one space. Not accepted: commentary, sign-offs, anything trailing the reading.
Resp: 11:18
